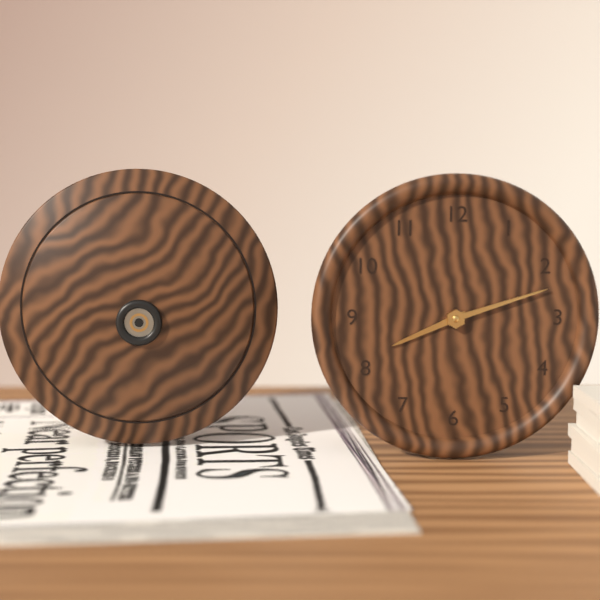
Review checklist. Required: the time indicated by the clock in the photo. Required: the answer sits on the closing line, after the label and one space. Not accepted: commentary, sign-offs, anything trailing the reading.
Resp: 8:12
